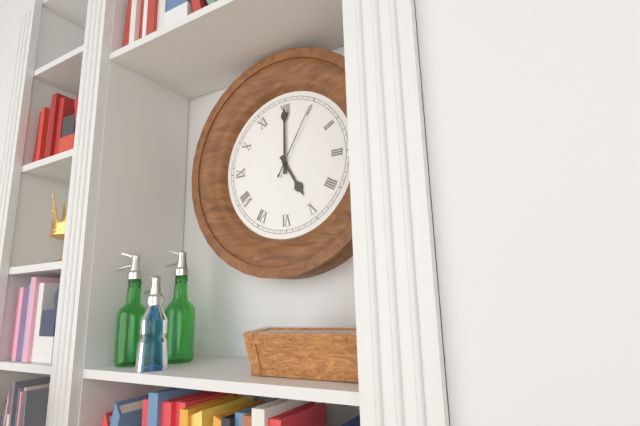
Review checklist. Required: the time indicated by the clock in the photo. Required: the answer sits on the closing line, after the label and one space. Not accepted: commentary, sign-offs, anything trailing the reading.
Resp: 5:00:05
